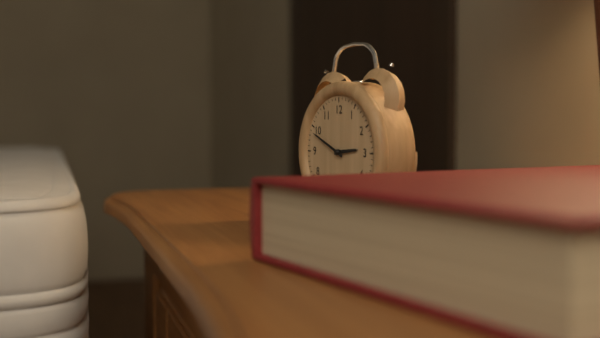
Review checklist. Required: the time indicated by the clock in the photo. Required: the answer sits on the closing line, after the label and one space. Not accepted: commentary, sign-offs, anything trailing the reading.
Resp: 2:49
